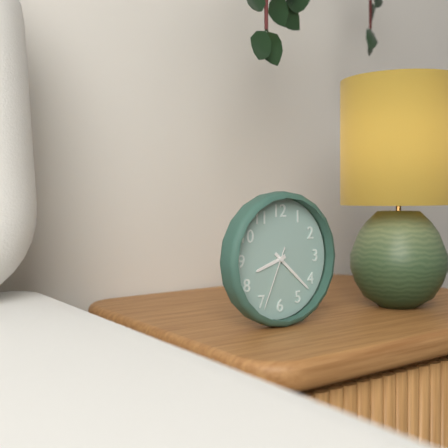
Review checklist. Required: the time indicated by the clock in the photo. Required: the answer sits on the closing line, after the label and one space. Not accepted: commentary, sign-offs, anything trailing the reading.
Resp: 8:22:34
